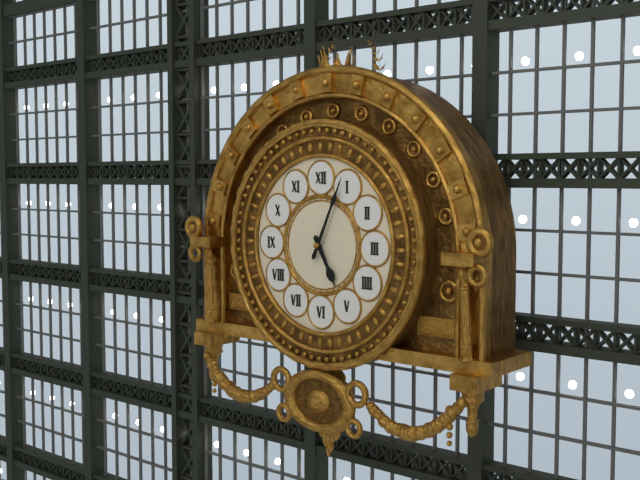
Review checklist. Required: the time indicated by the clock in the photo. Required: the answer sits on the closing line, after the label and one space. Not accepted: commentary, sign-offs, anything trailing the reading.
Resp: 5:04
